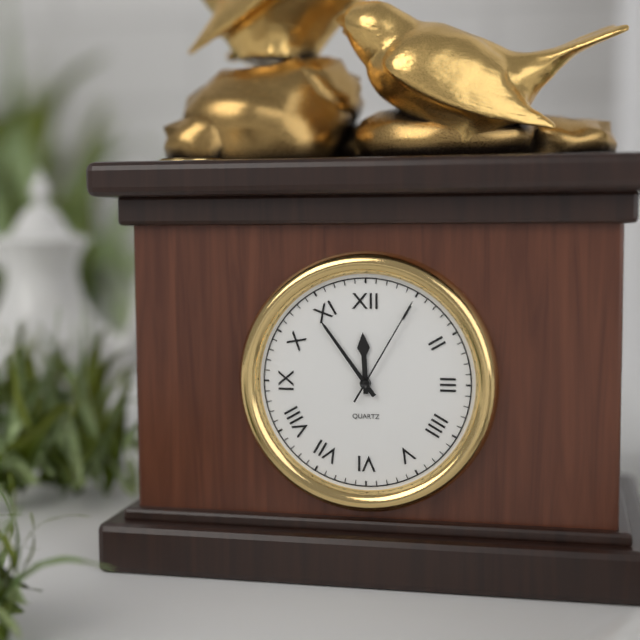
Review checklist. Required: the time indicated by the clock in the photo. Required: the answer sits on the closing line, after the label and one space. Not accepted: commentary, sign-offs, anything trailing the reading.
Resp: 11:54:05
